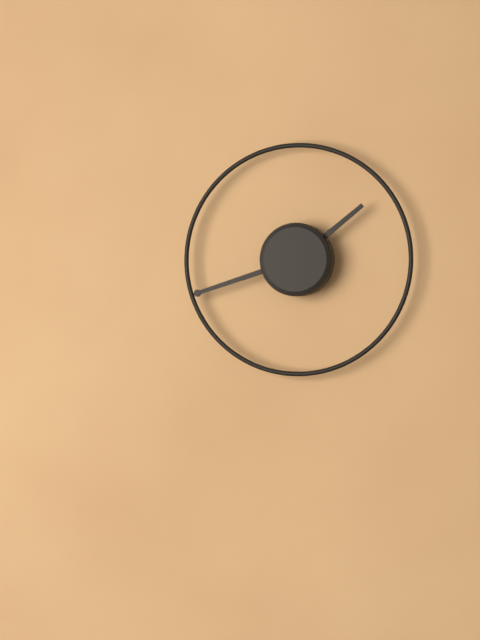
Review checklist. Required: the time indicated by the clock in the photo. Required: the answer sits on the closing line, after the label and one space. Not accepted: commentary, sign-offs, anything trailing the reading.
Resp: 1:42
